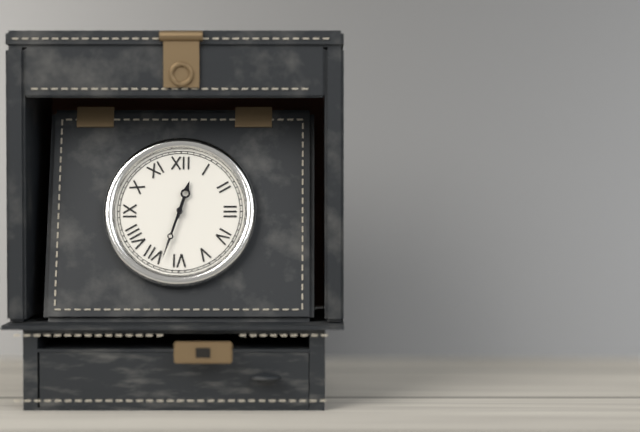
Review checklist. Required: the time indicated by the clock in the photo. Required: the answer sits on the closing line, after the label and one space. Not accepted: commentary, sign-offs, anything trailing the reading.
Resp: 12:33
